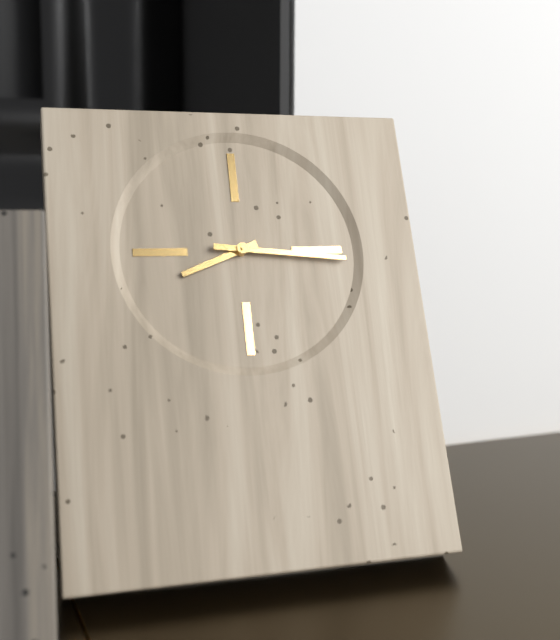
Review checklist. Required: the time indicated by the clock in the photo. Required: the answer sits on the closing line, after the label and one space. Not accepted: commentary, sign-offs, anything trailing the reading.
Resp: 8:16
